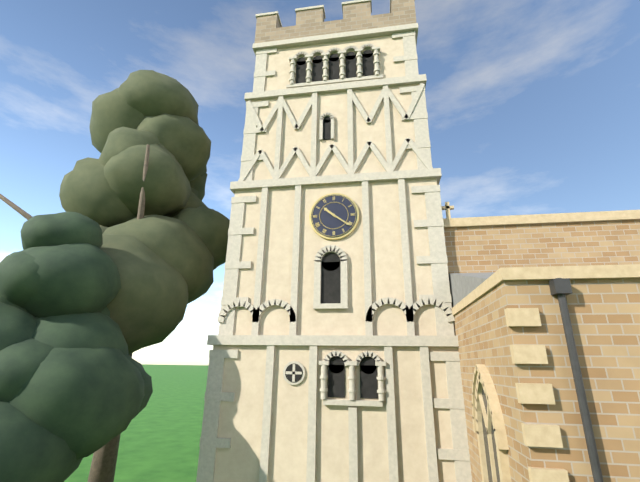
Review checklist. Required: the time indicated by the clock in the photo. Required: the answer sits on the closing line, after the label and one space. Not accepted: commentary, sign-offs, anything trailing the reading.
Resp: 10:21
